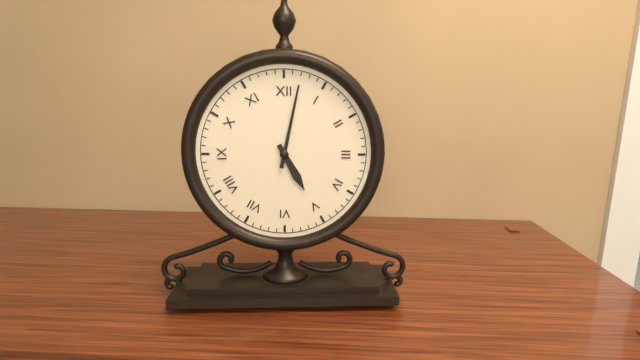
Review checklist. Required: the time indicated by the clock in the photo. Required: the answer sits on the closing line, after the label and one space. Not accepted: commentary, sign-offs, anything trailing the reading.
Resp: 5:02
